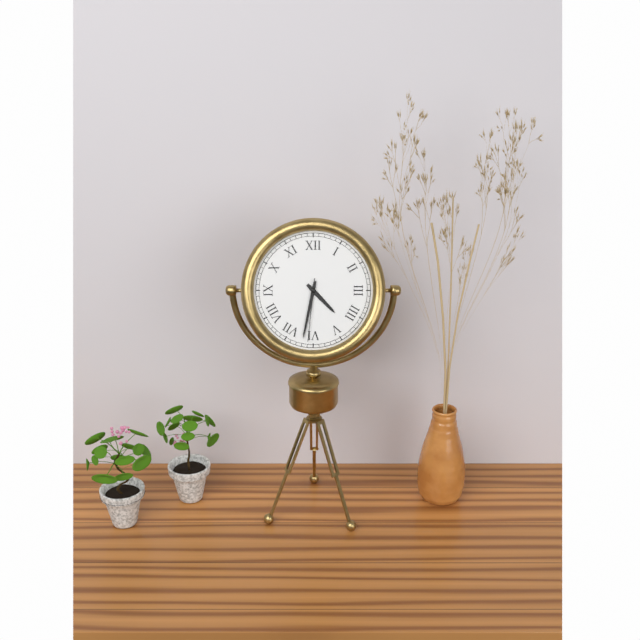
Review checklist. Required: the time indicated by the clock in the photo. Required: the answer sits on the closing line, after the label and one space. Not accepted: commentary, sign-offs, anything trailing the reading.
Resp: 4:32:31
